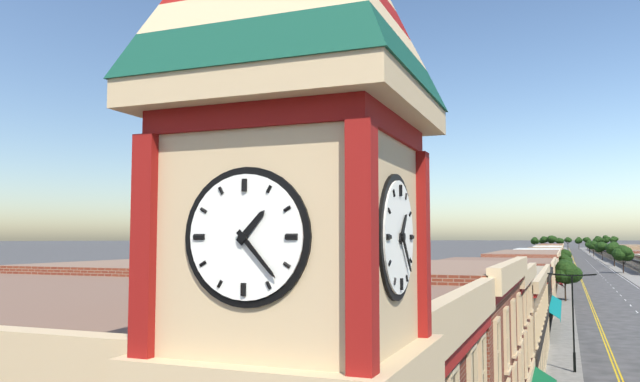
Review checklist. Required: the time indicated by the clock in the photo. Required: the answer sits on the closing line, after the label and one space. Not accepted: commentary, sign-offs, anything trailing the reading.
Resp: 1:23
